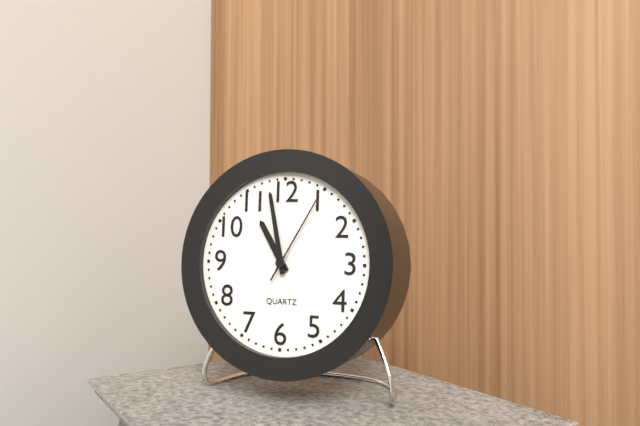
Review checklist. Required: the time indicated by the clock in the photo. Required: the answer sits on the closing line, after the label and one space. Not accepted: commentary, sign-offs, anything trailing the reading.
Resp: 10:58:05
